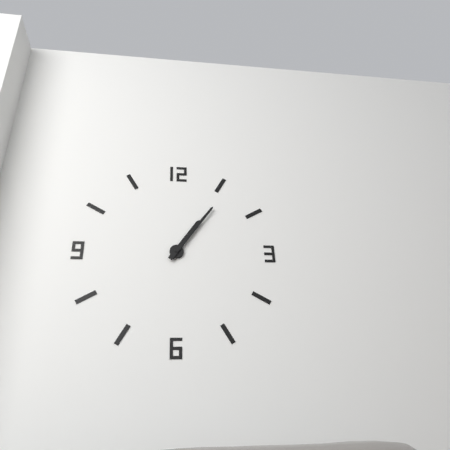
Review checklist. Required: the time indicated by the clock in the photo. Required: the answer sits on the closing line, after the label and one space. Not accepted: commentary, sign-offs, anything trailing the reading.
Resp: 1:06
